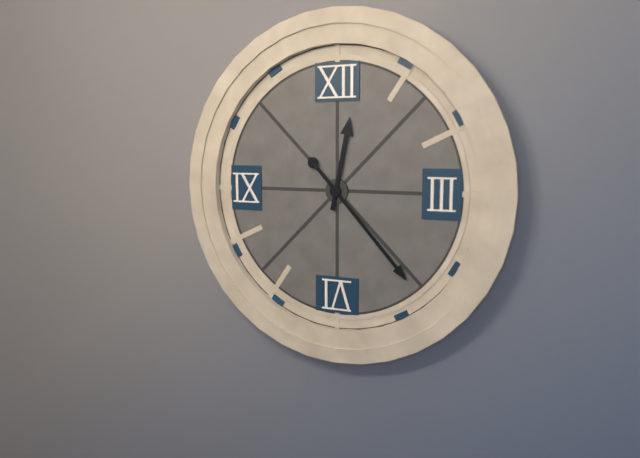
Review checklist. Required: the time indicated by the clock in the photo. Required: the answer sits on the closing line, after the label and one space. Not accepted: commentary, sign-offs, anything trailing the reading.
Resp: 12:23
